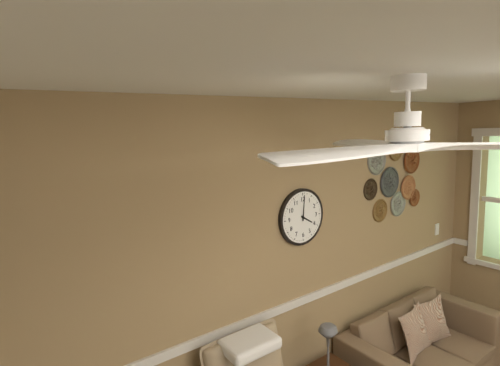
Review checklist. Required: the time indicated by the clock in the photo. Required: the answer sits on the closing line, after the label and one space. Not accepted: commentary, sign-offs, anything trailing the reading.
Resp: 4:01
